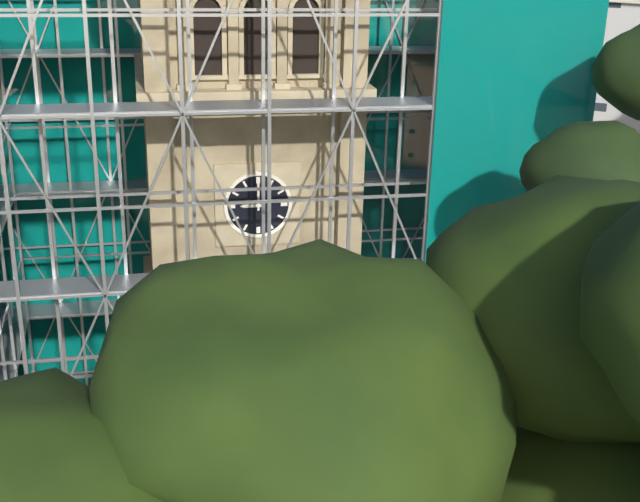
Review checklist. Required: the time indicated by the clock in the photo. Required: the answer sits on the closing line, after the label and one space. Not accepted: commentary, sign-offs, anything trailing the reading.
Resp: 9:00
